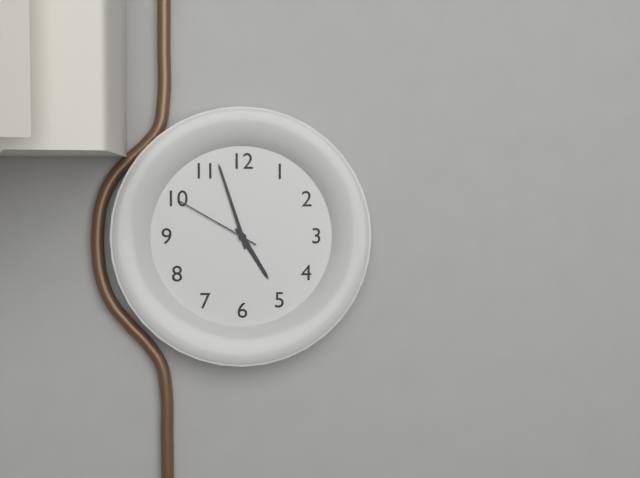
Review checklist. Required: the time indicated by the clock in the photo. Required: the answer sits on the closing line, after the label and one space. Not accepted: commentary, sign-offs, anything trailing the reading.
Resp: 4:57:50
